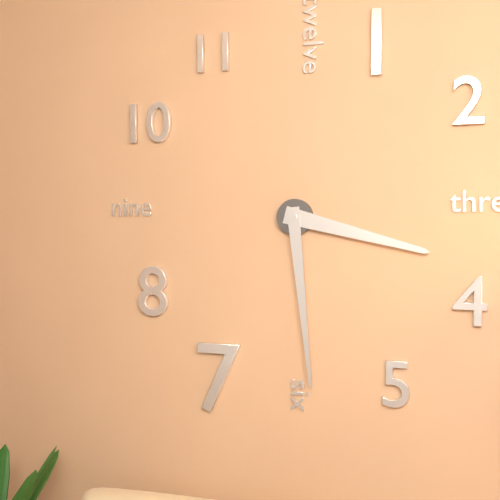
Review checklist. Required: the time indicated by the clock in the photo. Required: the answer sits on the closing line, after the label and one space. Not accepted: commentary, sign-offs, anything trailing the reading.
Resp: 3:29
